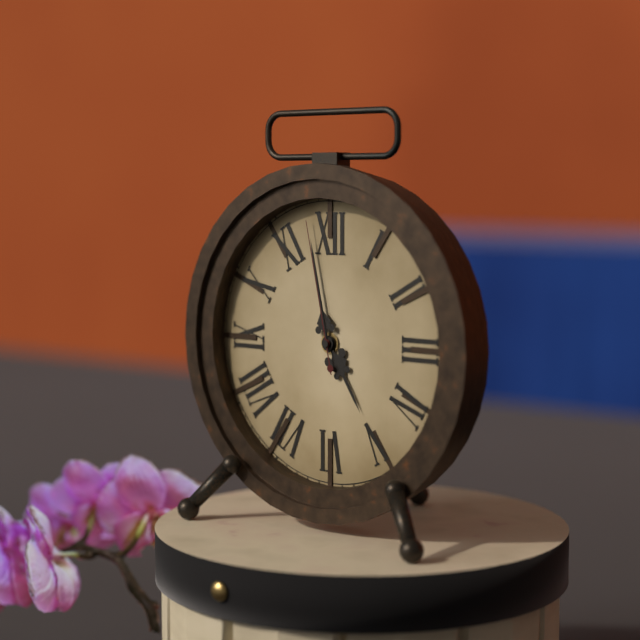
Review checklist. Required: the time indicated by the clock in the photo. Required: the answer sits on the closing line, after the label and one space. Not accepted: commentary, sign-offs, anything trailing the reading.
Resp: 4:58:58
